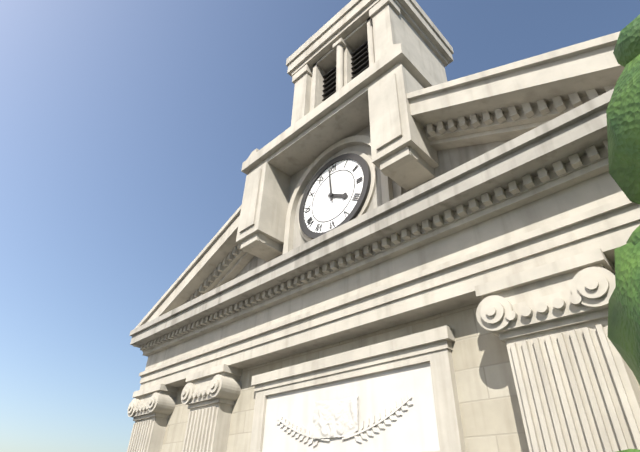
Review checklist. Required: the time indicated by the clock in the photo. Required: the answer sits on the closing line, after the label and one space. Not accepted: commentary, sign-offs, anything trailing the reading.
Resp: 3:59
